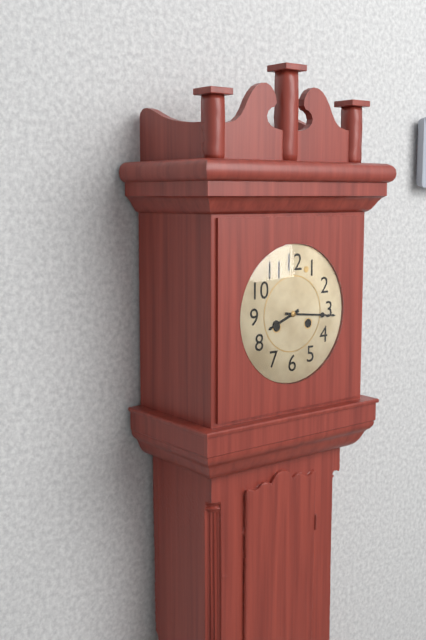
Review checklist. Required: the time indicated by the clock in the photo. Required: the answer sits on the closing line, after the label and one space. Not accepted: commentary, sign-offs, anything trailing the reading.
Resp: 8:16
